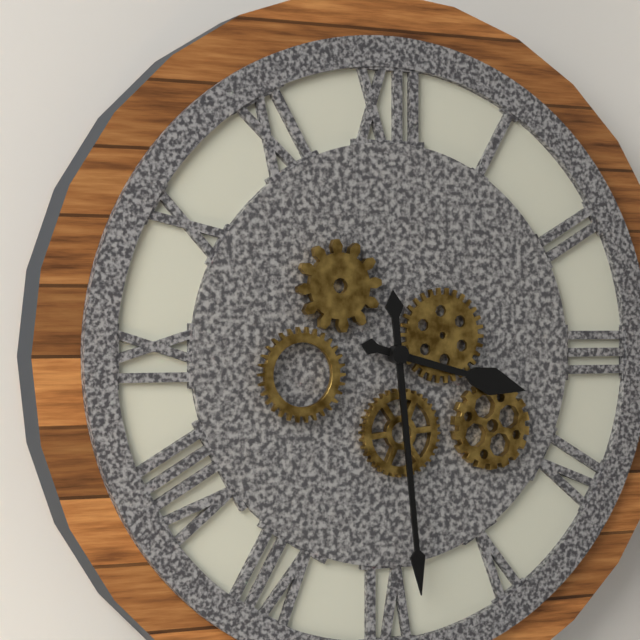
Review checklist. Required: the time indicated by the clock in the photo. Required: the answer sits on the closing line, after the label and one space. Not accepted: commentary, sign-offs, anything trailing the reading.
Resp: 3:29
